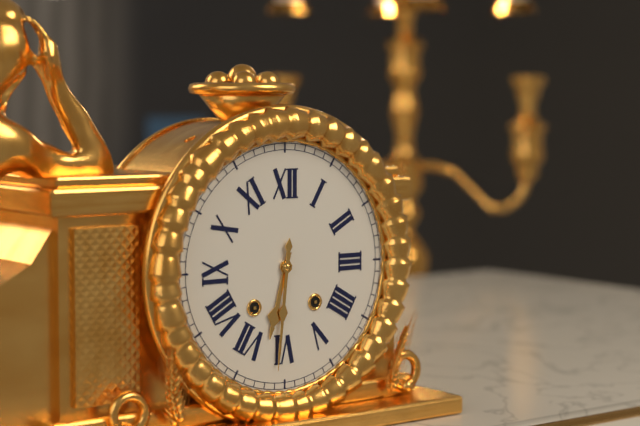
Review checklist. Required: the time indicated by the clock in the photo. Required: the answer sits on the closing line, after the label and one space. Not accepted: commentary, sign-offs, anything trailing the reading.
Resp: 6:31
